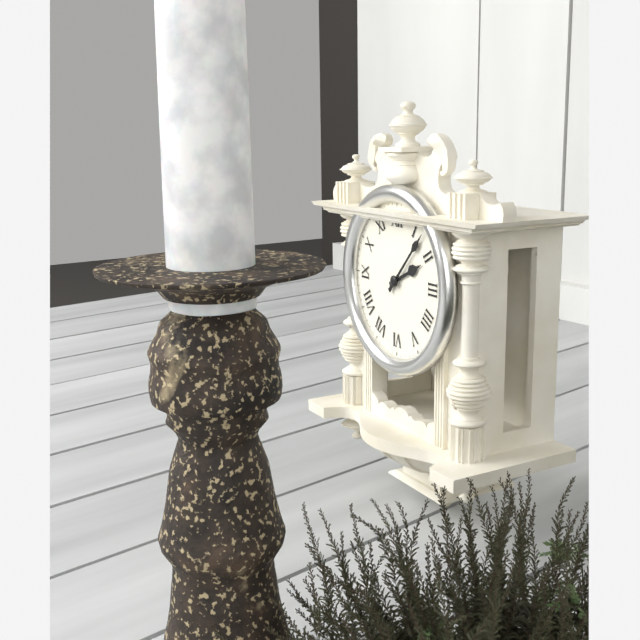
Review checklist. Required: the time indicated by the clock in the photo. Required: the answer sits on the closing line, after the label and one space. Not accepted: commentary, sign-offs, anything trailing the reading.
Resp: 2:07
